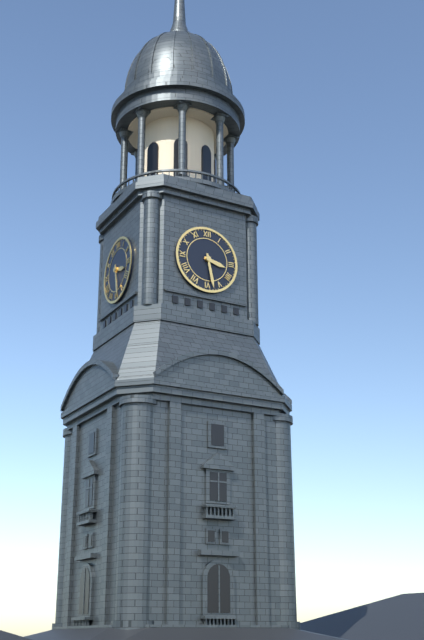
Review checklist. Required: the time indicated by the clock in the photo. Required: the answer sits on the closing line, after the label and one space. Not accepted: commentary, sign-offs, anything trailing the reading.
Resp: 3:28
